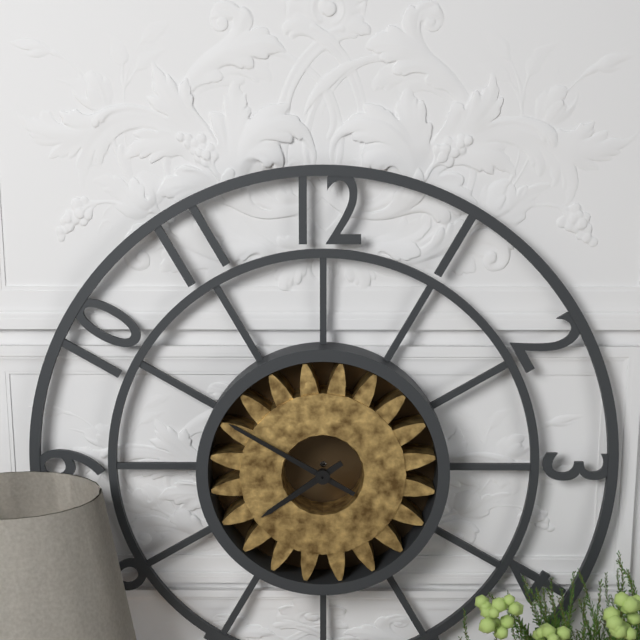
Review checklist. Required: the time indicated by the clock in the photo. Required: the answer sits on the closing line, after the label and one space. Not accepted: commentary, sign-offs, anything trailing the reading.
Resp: 7:50
